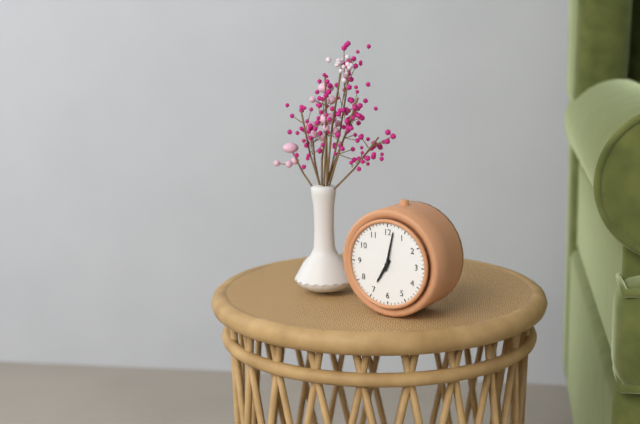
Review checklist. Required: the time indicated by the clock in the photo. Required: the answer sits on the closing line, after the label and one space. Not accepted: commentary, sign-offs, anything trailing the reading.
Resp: 7:02
